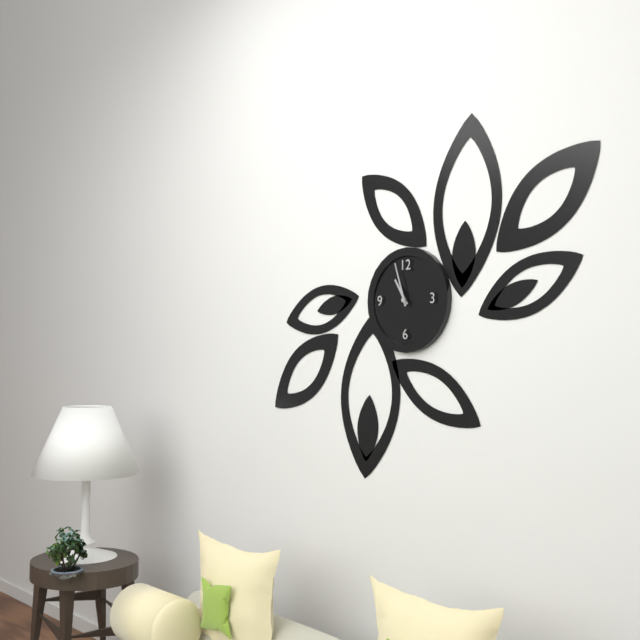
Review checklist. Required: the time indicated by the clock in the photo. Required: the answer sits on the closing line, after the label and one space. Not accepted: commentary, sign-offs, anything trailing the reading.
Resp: 10:57
